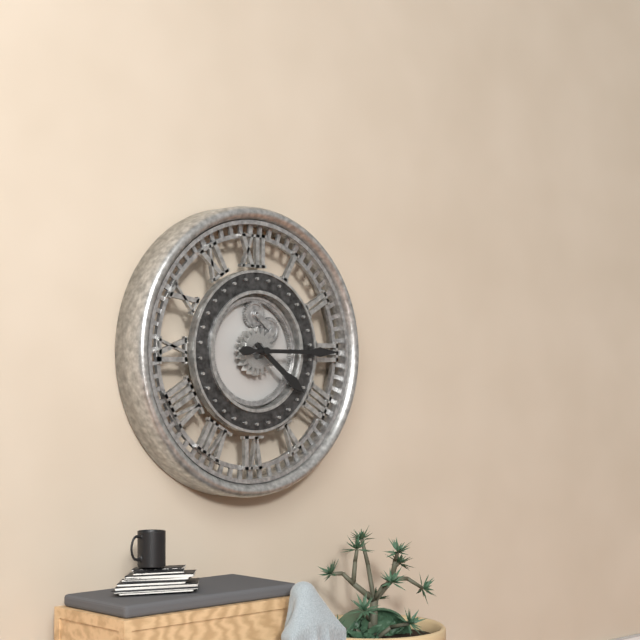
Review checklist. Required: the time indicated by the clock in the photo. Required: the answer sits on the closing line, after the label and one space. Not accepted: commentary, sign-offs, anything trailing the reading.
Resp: 4:15
